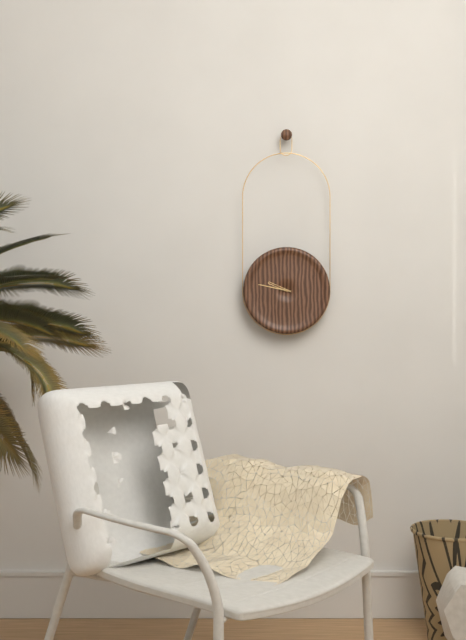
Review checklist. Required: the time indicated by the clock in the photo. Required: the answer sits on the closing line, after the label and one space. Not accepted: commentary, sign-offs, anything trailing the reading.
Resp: 9:47
